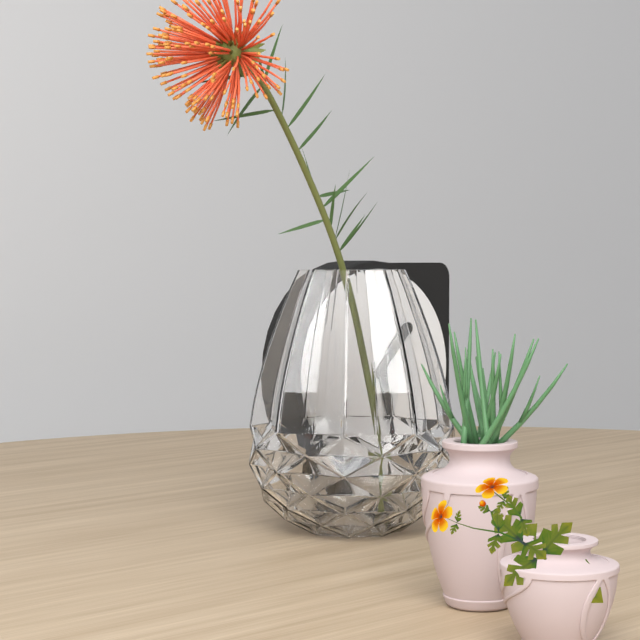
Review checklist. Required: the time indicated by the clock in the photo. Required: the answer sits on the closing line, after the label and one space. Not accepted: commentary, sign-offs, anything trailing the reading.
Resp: 1:27
